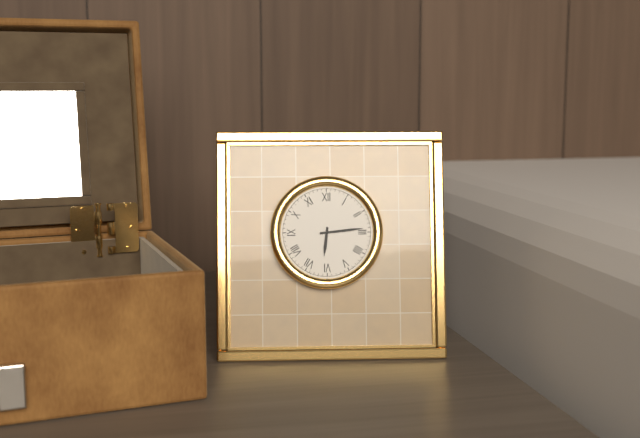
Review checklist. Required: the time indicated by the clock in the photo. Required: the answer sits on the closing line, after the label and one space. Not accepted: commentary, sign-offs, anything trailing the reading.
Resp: 6:14
